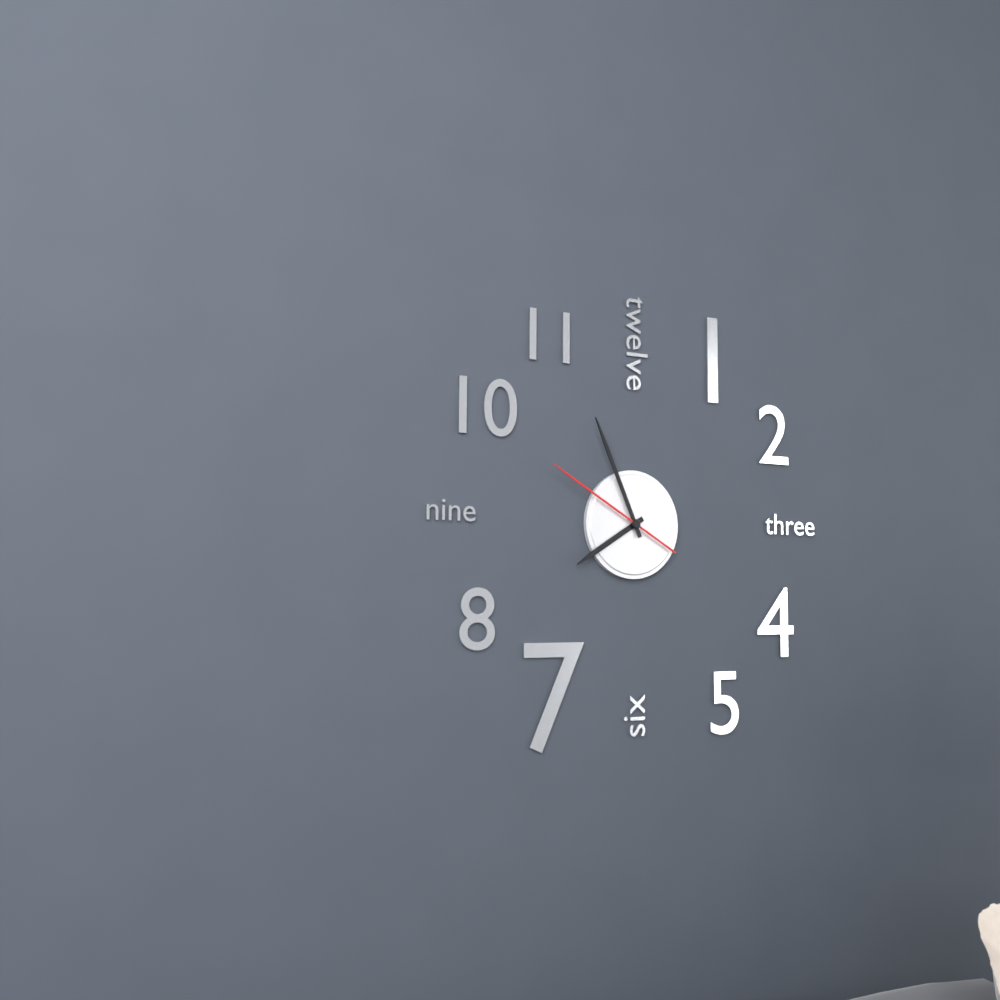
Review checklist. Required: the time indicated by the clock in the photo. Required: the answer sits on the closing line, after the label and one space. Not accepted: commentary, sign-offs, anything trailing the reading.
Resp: 7:56:50
